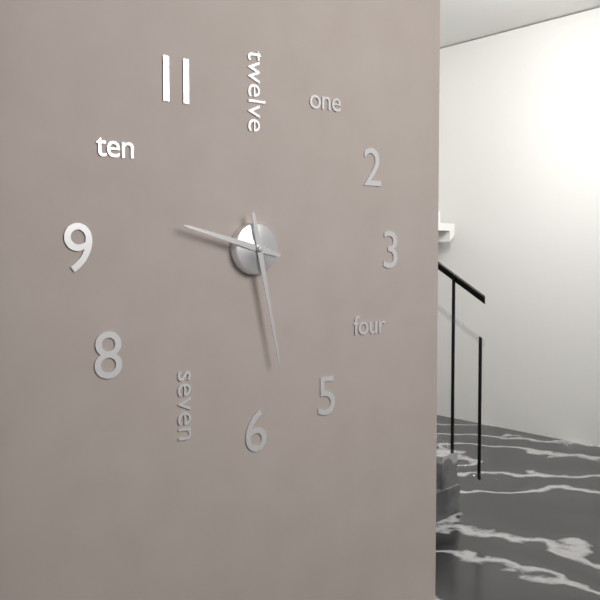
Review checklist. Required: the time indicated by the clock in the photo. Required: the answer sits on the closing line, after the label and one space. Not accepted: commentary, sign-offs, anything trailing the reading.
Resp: 9:28
